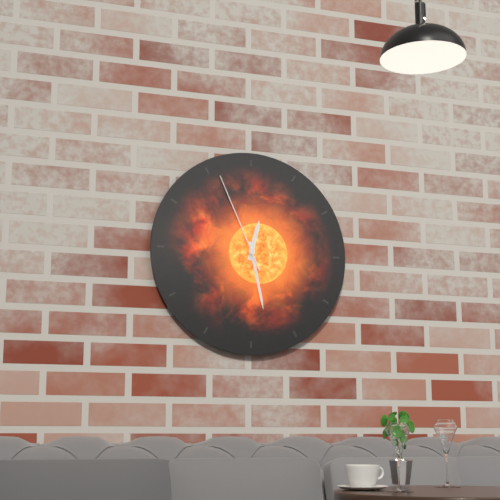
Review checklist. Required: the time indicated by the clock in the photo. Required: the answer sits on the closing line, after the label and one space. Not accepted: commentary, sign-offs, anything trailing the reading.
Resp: 12:28:56
